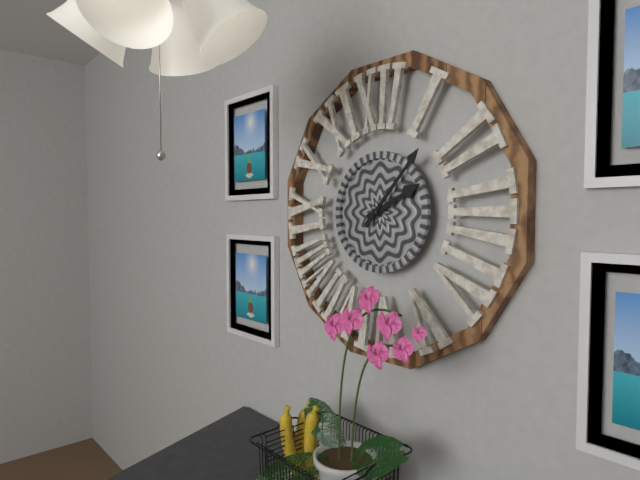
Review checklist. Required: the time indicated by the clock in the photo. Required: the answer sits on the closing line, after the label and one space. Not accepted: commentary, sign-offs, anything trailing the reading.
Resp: 2:07
